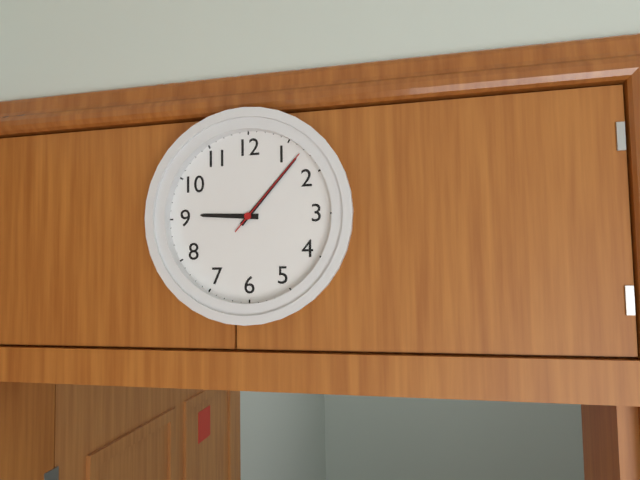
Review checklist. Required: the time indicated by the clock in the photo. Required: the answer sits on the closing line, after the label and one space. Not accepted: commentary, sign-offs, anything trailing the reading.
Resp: 9:07:07
